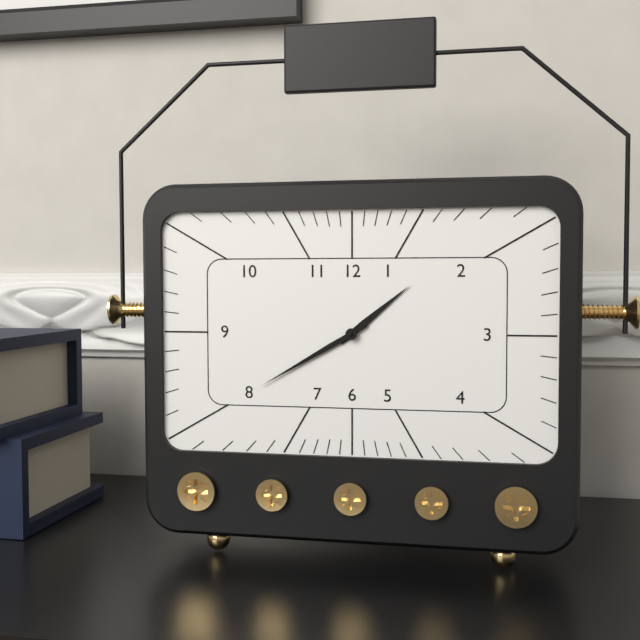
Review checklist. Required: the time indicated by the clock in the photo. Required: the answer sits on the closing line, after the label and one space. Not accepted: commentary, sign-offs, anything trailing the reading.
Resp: 1:40
